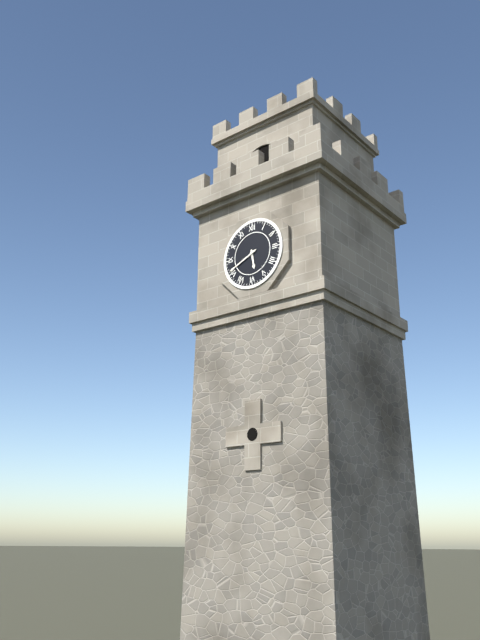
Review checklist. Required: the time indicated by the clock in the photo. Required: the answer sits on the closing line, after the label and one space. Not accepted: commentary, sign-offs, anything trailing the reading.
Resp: 5:41
